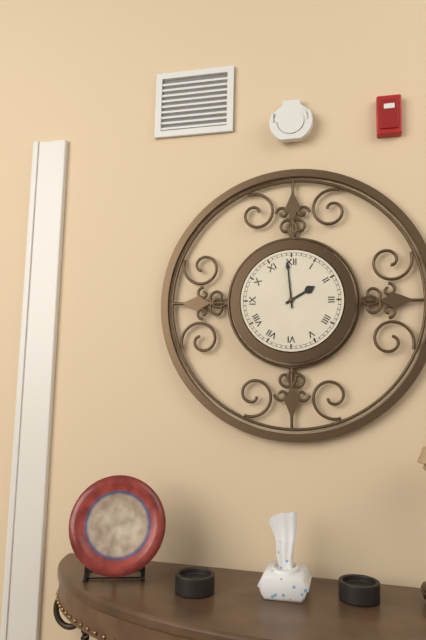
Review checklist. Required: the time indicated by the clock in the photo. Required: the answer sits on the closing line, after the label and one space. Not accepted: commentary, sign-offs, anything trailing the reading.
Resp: 1:59
